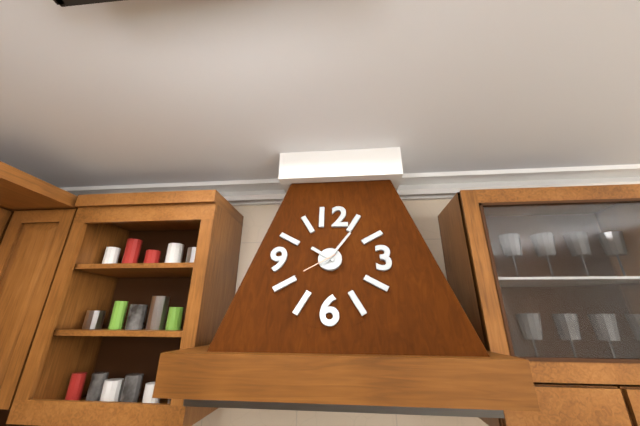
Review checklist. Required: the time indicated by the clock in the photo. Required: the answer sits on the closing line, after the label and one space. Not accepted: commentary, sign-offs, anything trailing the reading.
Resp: 10:06
